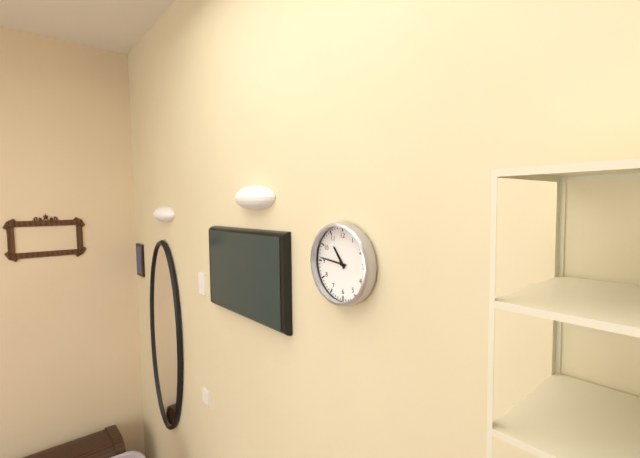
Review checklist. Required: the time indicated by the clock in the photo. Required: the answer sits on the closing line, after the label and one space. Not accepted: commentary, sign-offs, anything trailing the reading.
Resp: 10:46
